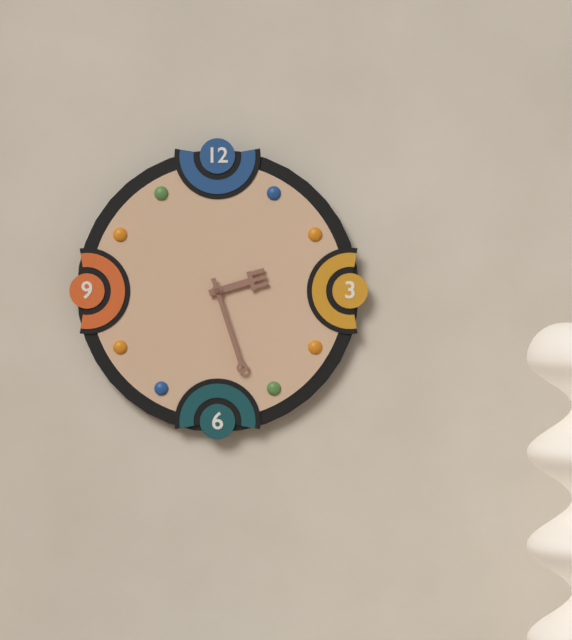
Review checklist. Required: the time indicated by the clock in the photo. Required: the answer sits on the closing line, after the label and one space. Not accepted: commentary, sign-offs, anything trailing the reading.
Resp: 2:27
